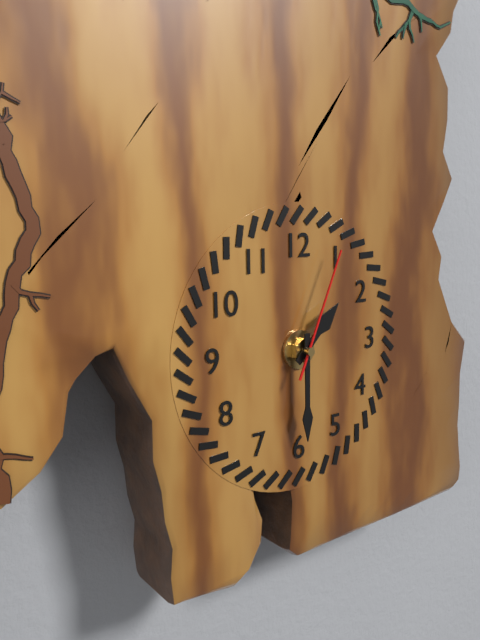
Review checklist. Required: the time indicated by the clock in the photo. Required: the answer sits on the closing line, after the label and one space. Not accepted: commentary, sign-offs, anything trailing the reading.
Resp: 1:30:04
